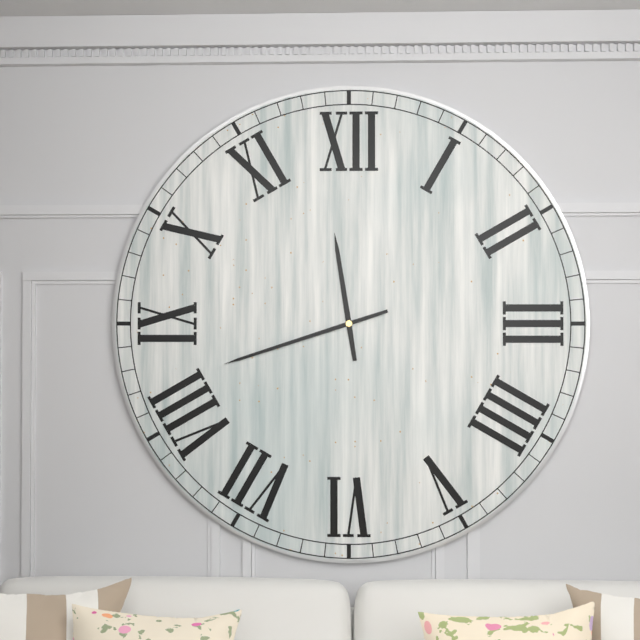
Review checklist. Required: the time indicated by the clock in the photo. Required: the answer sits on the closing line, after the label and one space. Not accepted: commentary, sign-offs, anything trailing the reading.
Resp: 11:42
